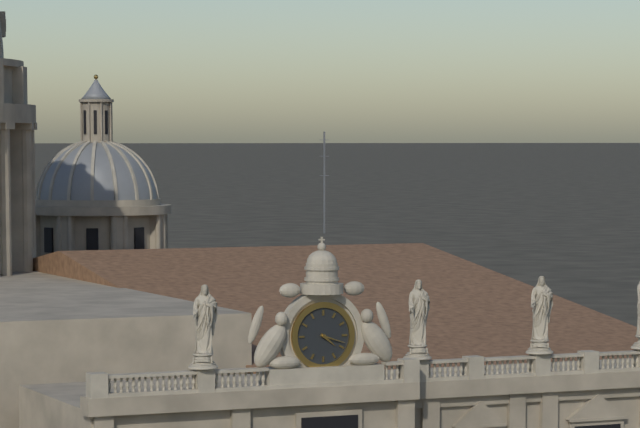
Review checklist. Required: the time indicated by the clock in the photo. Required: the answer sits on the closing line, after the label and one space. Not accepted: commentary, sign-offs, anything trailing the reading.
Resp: 4:18
